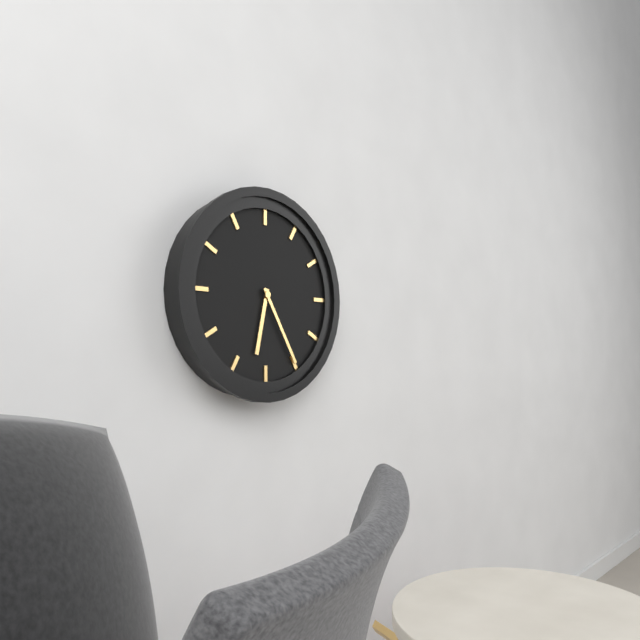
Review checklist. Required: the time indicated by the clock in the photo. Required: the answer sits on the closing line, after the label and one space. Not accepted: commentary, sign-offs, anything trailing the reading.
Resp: 6:25
